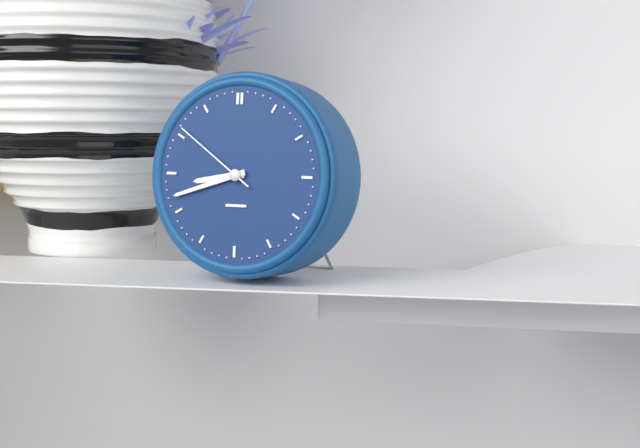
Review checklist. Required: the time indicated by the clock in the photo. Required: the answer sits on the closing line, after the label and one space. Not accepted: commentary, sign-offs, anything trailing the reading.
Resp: 8:42:51
